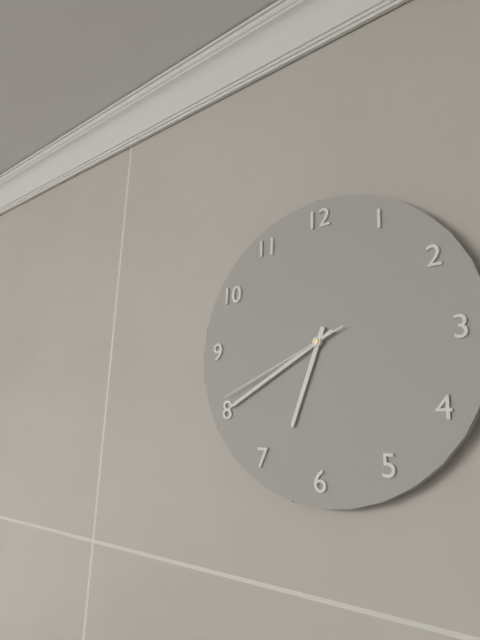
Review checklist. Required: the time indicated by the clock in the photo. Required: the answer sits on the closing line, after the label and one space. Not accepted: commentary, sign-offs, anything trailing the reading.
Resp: 6:40:41
